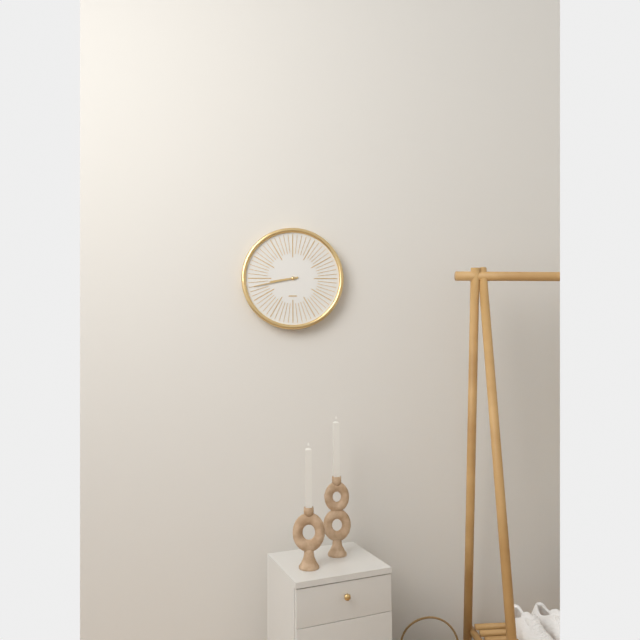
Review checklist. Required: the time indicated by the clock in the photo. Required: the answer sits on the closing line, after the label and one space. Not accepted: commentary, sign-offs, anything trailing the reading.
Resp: 8:43
